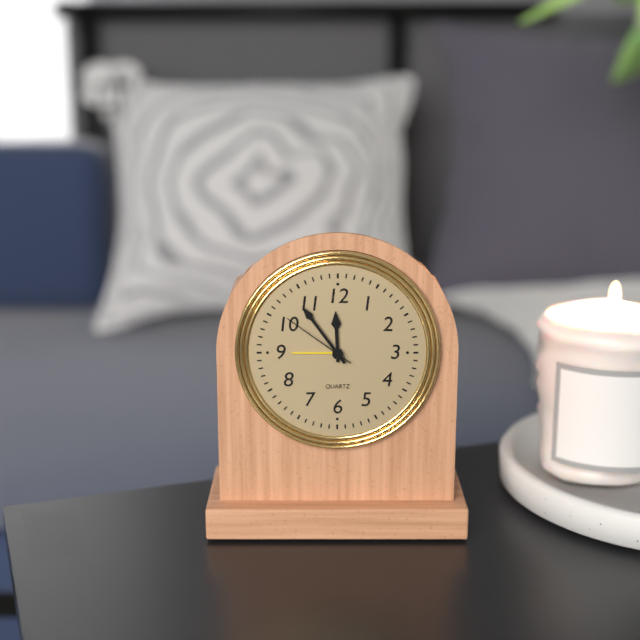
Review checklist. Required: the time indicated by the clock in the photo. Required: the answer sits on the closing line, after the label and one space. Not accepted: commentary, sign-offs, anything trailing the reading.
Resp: 11:54:51
